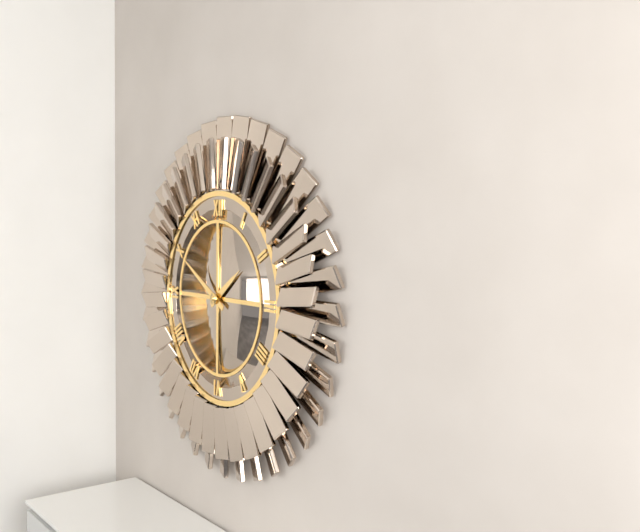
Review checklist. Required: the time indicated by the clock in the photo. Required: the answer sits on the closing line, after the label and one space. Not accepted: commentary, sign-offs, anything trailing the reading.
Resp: 1:50
